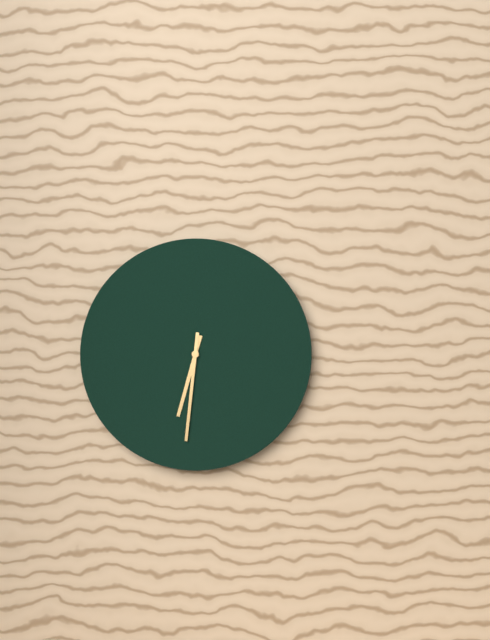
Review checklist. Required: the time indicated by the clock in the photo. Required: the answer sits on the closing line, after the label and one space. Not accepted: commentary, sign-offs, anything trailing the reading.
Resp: 6:31
